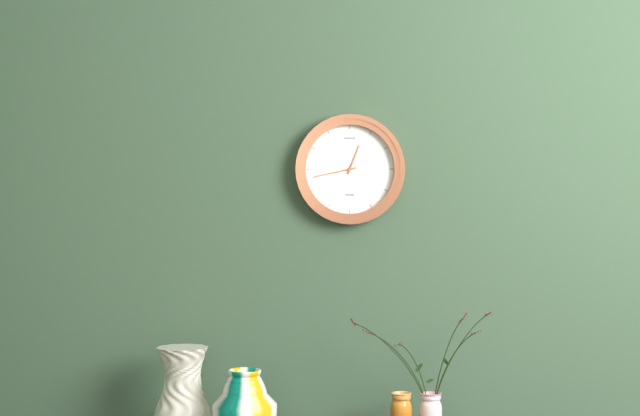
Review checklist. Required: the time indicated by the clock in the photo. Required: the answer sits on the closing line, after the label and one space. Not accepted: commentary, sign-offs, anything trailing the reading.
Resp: 12:43
